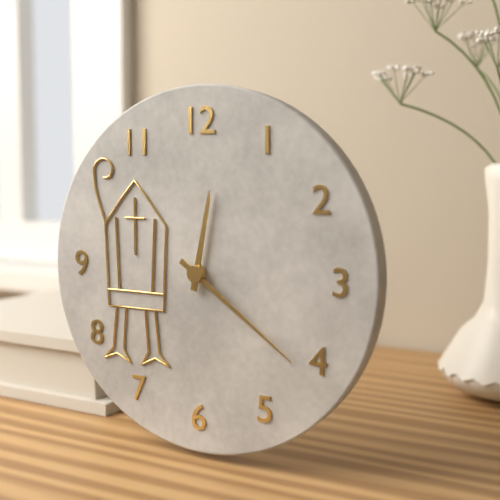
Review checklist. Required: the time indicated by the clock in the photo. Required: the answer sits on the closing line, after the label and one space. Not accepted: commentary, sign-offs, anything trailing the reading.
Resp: 12:21
